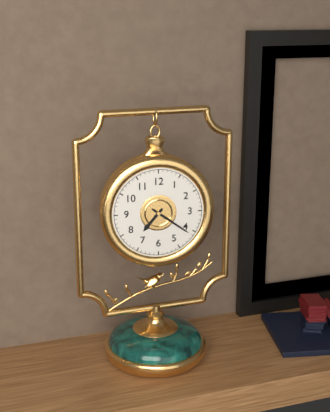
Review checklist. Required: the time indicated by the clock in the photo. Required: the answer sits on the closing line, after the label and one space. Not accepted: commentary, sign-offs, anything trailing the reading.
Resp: 7:21
